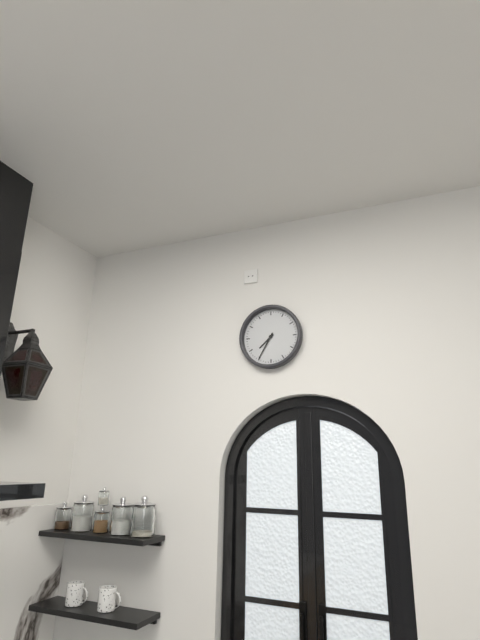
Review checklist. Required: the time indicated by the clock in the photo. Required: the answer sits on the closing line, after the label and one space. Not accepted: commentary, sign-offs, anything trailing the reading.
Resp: 7:35
